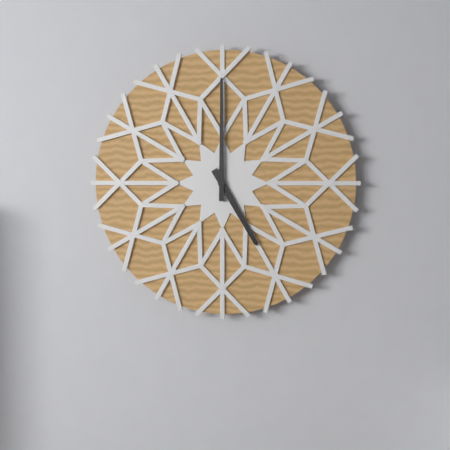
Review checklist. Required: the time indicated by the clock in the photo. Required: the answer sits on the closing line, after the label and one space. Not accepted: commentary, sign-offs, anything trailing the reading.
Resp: 5:00
